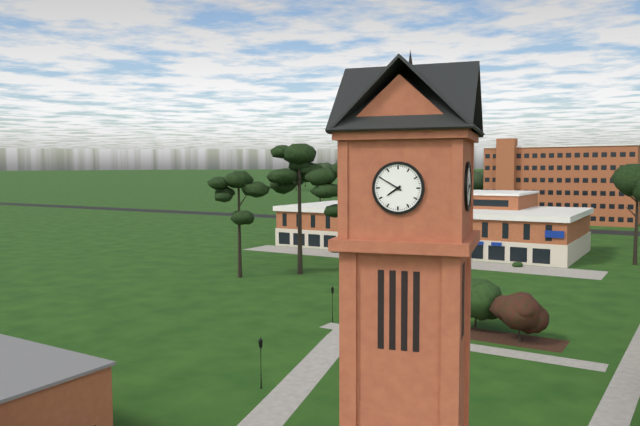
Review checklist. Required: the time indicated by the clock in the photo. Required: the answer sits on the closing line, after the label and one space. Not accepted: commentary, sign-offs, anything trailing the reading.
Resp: 7:50
